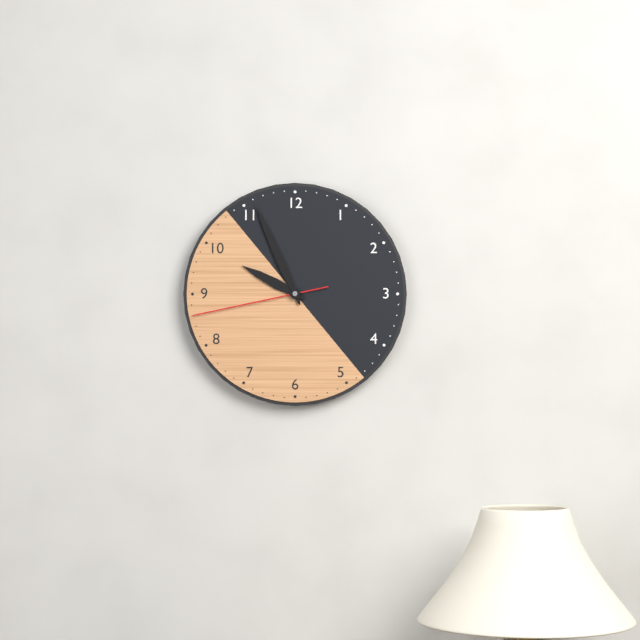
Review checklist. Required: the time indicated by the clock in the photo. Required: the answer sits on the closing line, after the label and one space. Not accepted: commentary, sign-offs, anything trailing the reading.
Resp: 9:56:43
